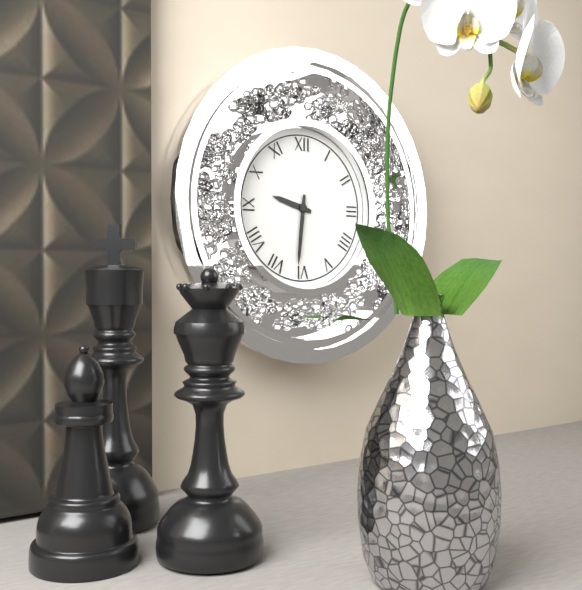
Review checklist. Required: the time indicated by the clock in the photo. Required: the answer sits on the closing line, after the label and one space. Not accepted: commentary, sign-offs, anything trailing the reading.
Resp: 9:31
